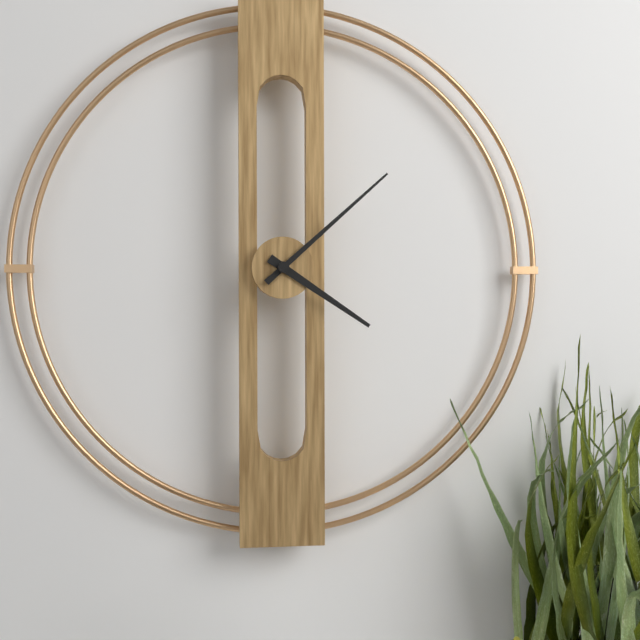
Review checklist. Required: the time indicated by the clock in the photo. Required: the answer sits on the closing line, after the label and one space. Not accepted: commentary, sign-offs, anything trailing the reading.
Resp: 4:08
